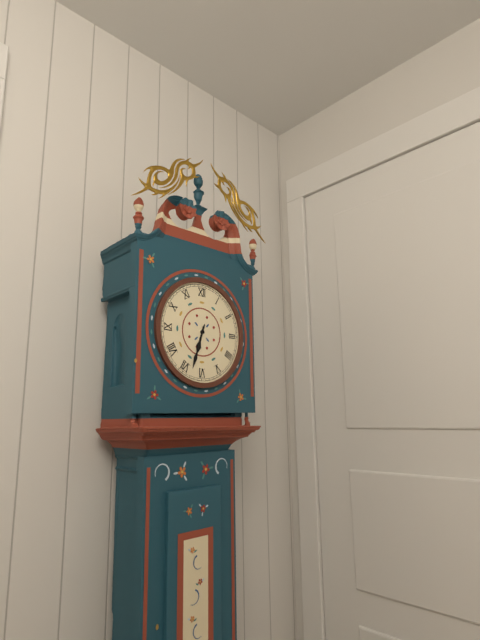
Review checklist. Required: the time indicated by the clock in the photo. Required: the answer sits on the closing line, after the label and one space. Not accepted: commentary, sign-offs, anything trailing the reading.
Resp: 6:33
